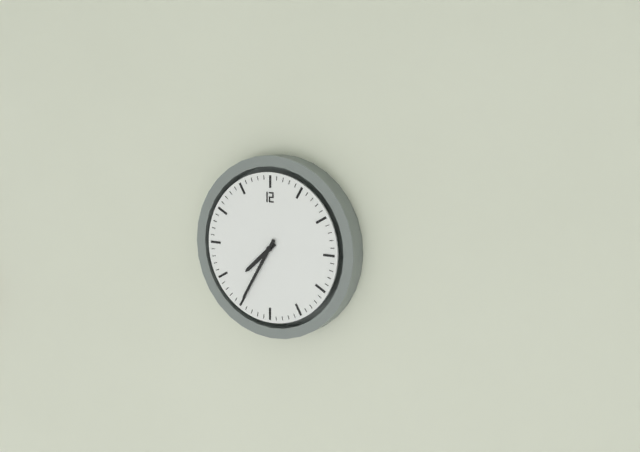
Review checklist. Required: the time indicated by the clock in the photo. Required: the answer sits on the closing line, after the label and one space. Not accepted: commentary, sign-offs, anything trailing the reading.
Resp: 7:35
